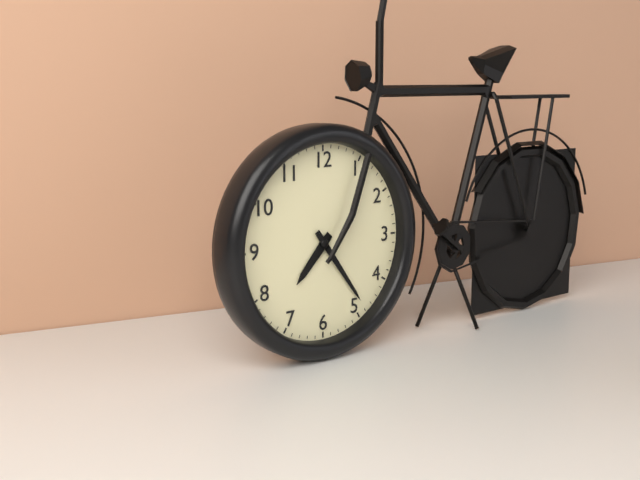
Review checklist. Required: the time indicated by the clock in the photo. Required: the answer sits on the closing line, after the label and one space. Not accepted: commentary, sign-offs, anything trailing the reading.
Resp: 7:24
